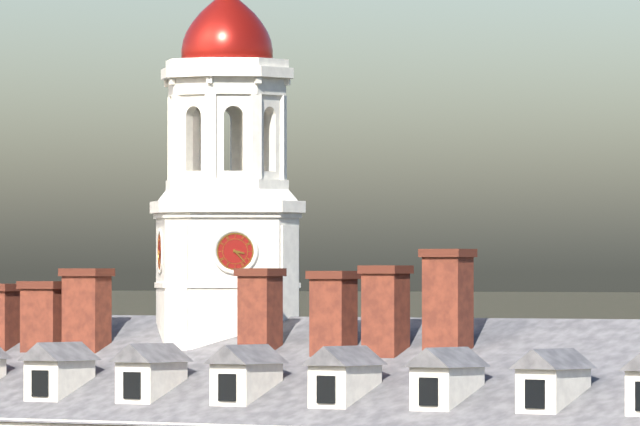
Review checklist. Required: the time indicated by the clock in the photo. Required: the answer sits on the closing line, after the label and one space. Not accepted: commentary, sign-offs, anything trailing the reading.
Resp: 3:23
